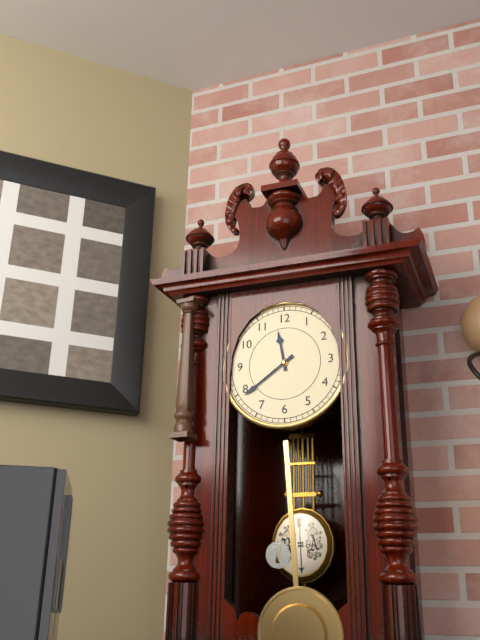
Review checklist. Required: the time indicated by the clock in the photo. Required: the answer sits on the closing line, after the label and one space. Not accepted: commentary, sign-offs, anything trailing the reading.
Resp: 11:39
